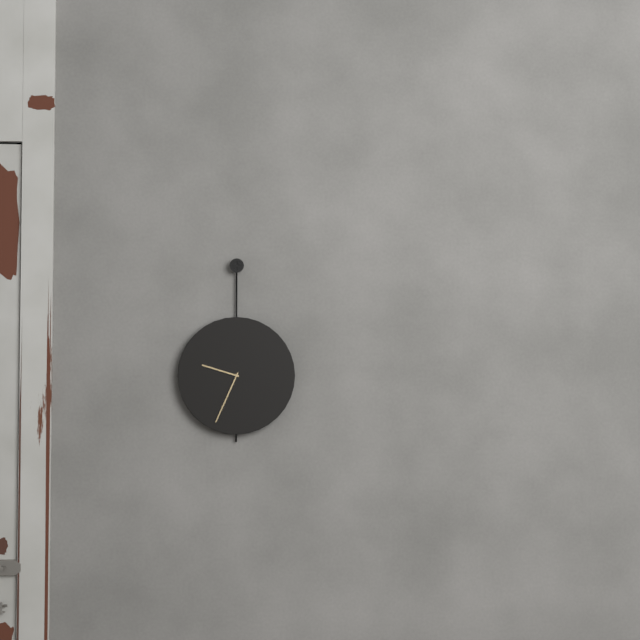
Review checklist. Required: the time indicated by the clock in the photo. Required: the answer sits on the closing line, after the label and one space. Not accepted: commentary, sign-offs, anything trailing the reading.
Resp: 9:34
